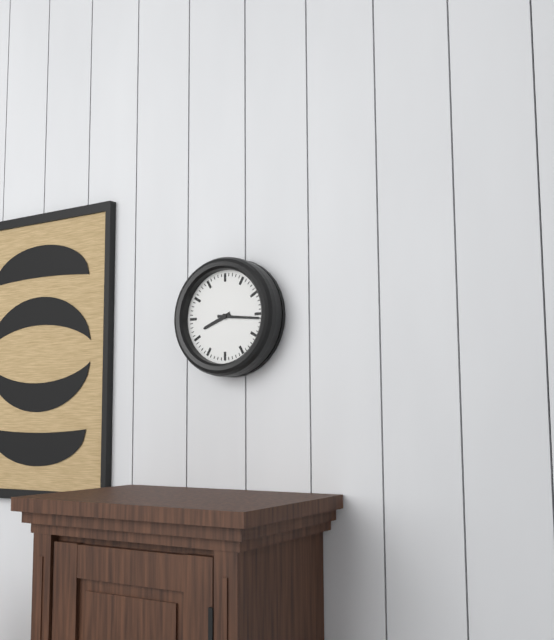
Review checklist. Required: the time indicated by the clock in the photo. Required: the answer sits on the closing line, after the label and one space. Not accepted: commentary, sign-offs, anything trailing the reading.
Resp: 8:16
